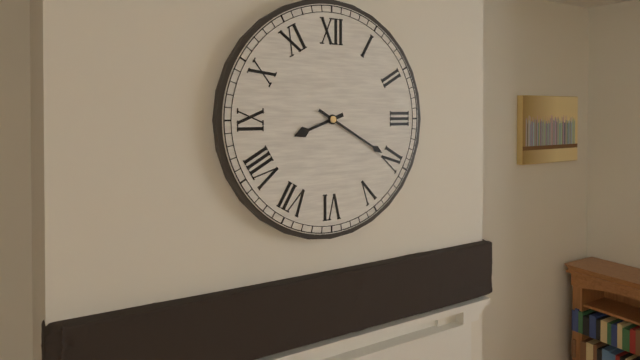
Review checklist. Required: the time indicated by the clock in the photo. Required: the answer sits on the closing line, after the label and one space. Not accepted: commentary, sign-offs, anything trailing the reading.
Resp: 8:20
